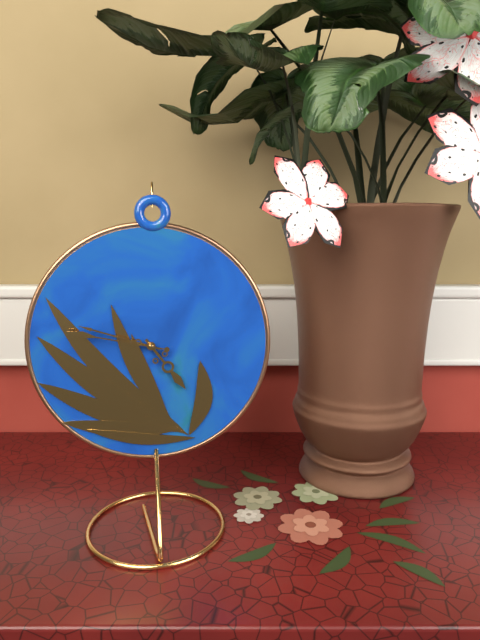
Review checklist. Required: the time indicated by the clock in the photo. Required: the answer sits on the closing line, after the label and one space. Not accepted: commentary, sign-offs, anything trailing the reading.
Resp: 4:48:47
